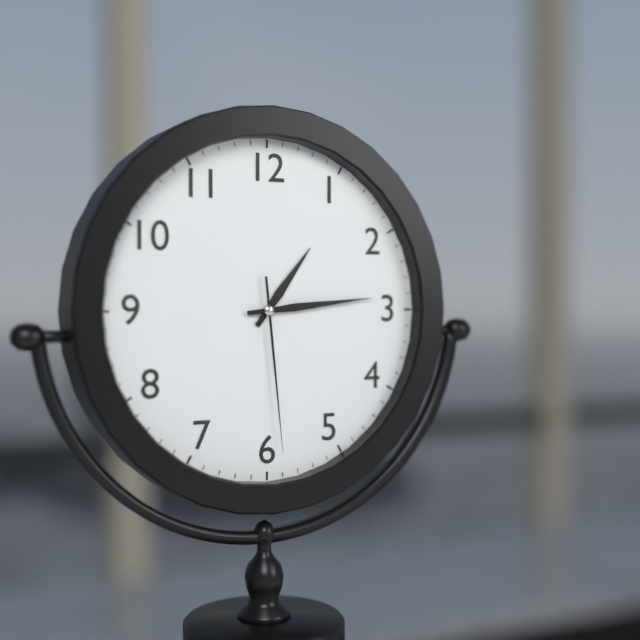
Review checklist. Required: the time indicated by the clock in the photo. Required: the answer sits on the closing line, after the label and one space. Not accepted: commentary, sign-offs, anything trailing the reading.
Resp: 1:14:29
